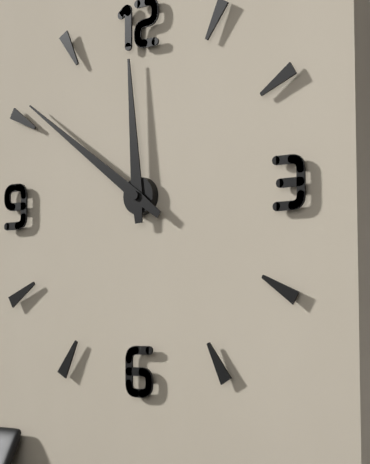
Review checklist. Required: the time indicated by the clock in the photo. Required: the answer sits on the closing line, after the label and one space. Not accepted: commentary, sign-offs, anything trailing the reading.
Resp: 11:51
